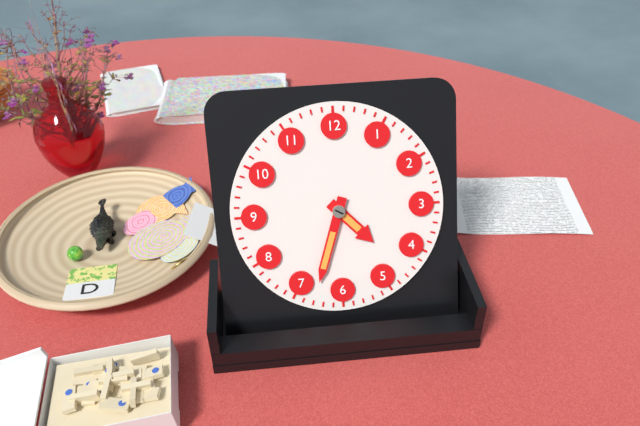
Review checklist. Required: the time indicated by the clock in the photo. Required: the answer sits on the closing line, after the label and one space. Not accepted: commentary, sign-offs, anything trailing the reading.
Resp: 4:33
